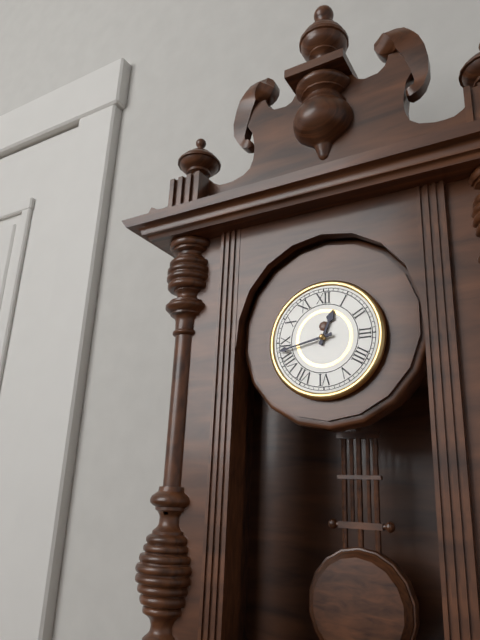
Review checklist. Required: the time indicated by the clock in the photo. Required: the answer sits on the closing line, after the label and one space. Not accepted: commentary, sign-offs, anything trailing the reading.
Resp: 12:43
